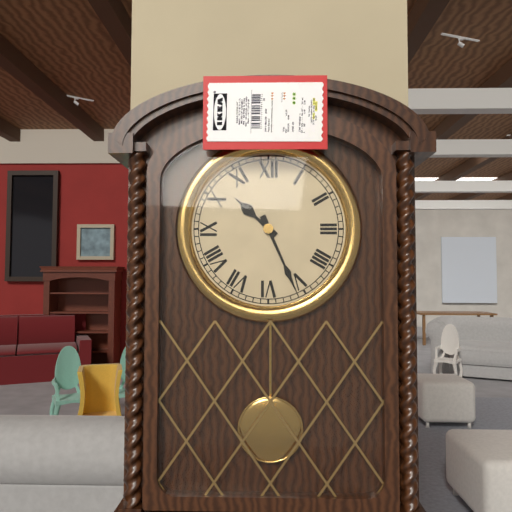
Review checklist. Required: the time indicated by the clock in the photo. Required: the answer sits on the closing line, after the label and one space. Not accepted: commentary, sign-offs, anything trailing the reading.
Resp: 10:26
